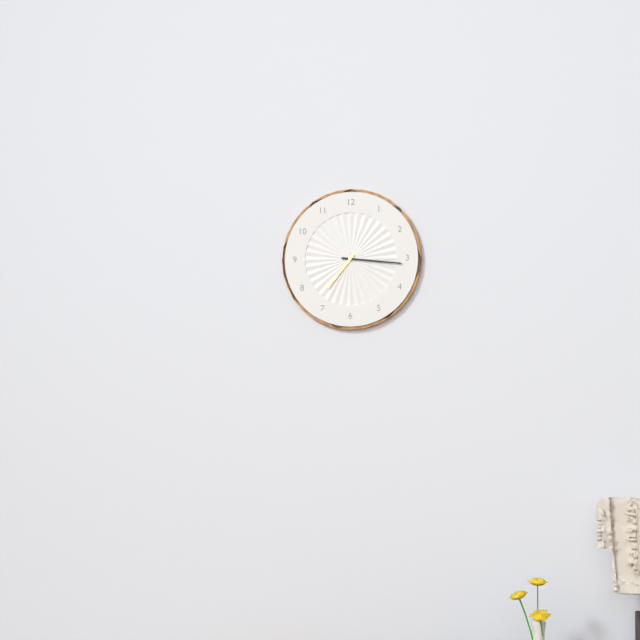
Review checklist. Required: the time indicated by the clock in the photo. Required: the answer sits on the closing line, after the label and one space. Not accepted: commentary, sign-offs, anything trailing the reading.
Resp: 7:16
